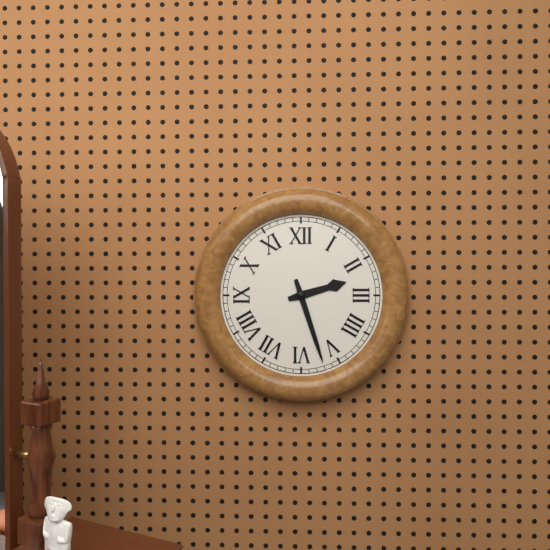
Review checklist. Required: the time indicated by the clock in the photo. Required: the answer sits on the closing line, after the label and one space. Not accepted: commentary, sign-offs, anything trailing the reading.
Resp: 2:27
